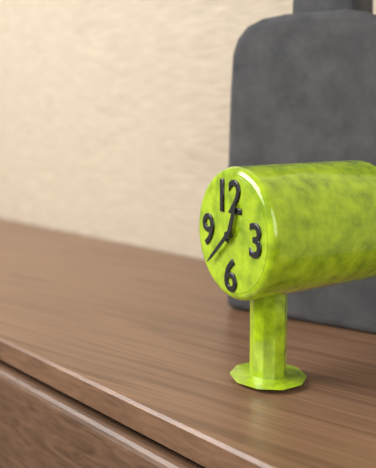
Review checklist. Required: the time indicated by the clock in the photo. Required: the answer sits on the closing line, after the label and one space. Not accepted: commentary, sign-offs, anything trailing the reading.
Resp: 12:38
